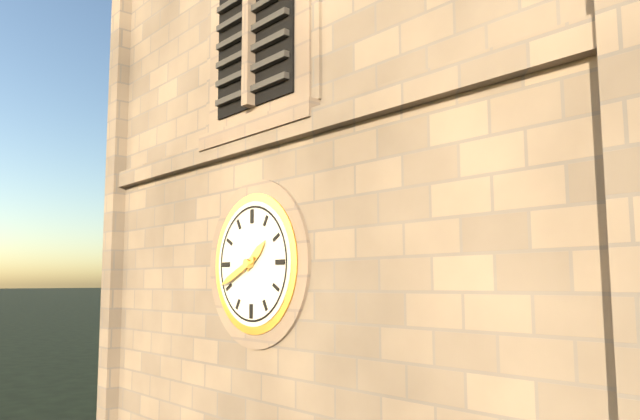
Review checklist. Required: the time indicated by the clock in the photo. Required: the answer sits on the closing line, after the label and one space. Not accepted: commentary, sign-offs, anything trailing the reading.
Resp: 1:41
